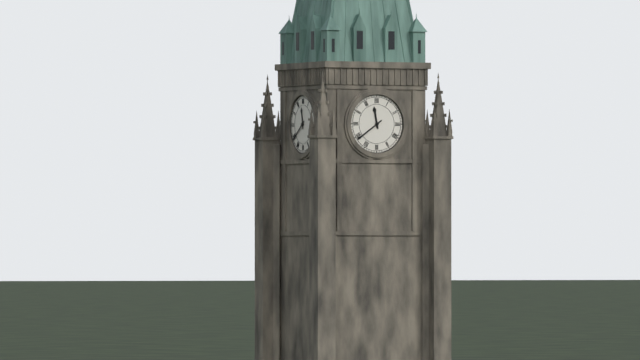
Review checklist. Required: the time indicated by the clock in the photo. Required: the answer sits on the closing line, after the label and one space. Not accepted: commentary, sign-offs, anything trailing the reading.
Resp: 11:39
